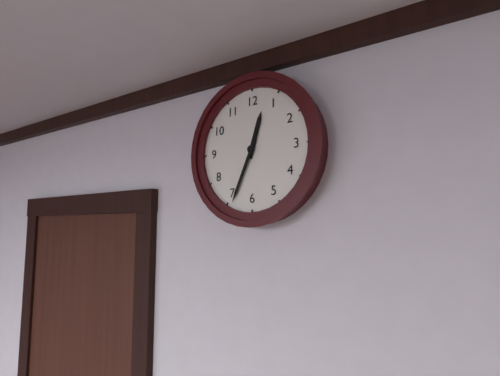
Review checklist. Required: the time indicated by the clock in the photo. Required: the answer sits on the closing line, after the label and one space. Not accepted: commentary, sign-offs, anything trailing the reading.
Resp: 12:34
